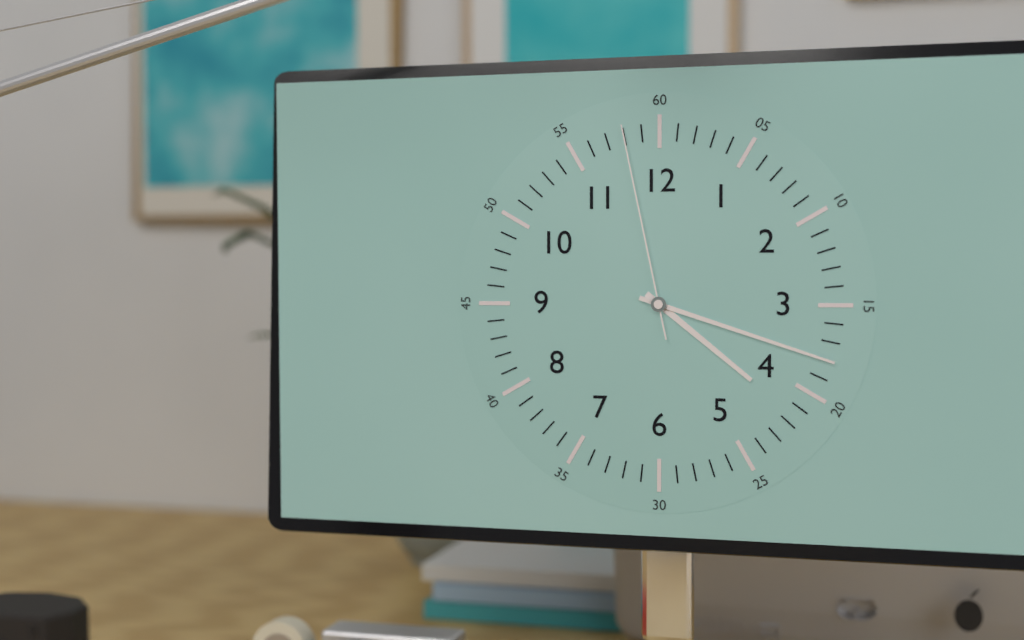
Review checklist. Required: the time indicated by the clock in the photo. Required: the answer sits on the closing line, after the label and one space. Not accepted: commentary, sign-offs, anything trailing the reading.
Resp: 4:18:58
